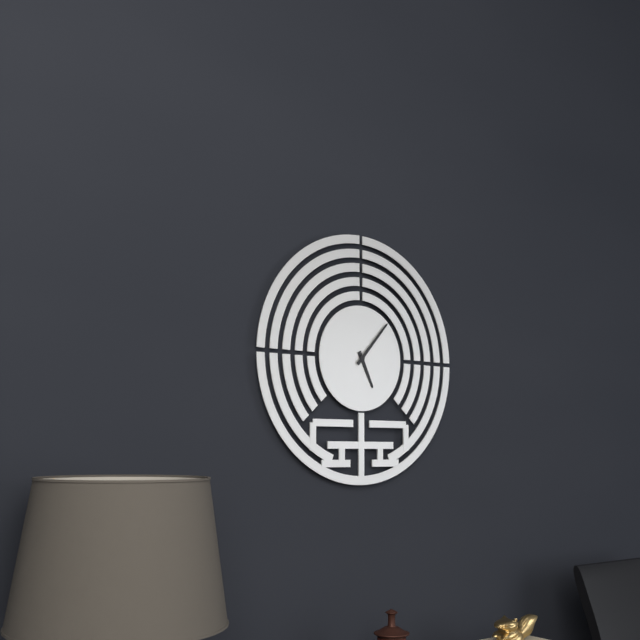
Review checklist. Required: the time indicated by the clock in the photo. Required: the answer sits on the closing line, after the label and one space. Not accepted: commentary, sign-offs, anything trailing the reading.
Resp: 5:07
